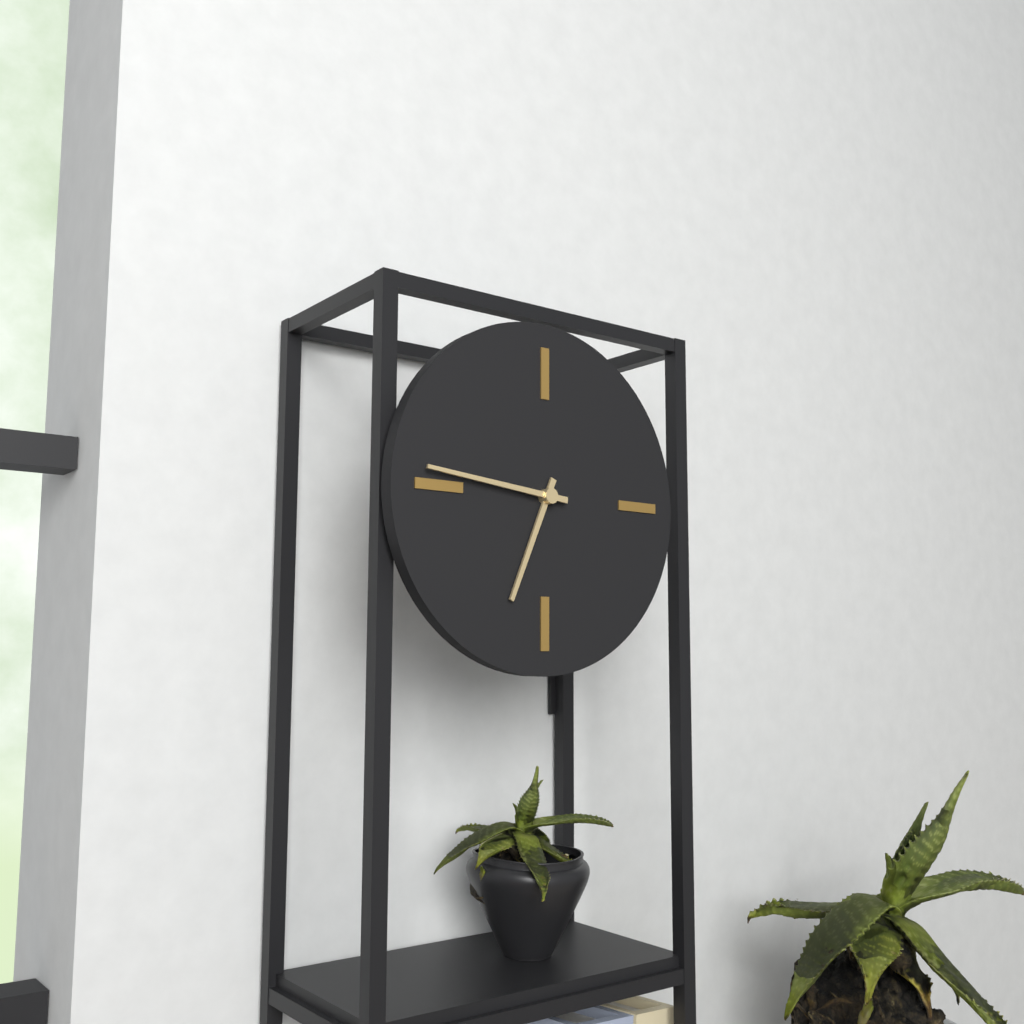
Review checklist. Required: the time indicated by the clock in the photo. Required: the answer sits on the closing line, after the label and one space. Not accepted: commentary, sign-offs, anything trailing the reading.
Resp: 6:46
